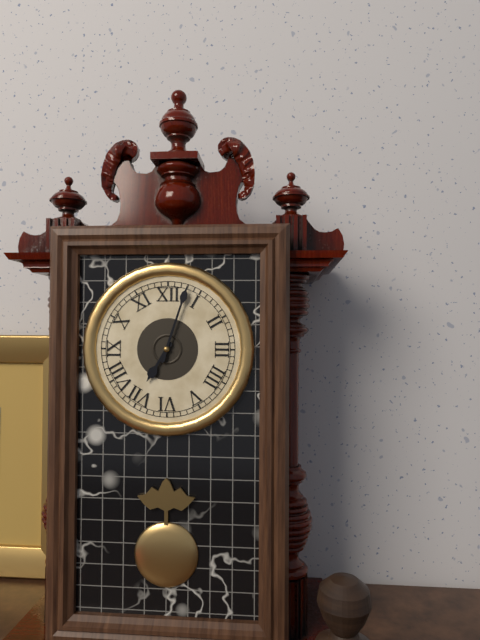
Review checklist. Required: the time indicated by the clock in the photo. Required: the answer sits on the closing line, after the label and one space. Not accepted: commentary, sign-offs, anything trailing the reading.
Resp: 7:03
